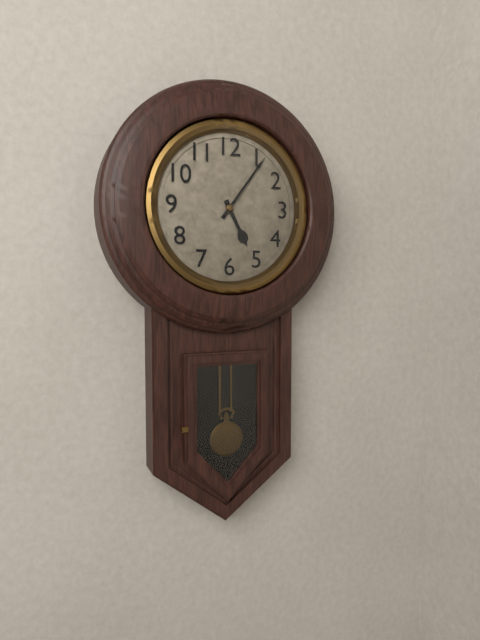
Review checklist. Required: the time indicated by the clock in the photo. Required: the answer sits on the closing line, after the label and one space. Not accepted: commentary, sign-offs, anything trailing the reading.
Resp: 5:06
